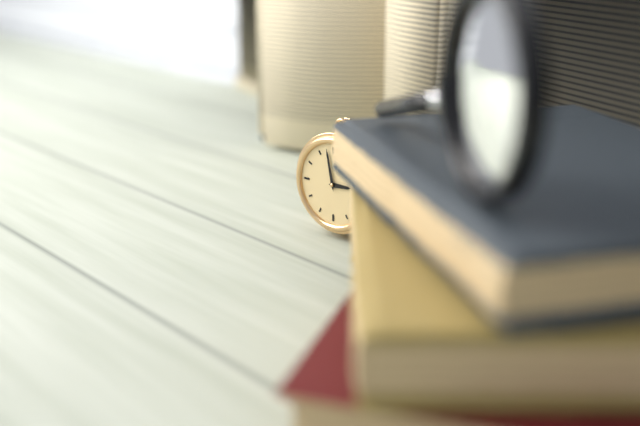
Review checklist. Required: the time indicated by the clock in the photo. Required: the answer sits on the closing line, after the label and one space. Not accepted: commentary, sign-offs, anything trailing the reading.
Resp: 2:58
